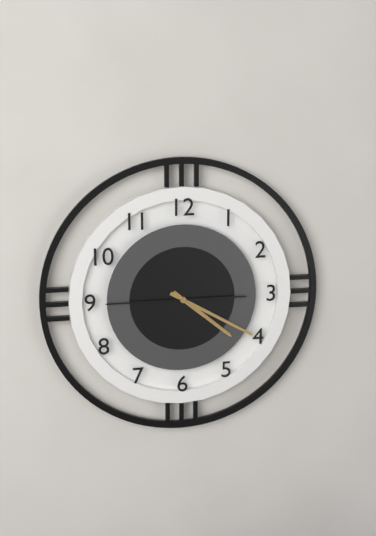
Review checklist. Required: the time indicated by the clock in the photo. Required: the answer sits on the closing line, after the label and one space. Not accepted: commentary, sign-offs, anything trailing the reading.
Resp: 4:20:45
